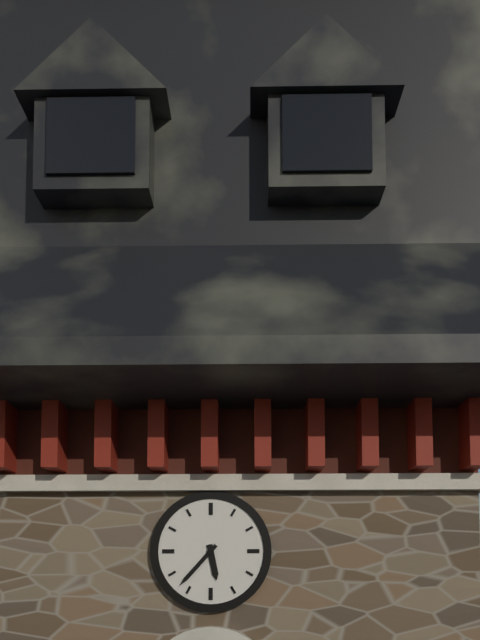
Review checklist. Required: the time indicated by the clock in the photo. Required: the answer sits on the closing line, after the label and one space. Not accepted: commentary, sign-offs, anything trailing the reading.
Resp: 5:37
